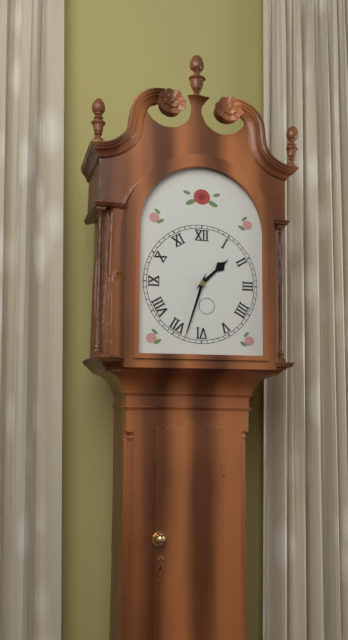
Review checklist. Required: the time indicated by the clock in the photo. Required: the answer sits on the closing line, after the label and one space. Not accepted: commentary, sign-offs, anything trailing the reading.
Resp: 1:33
